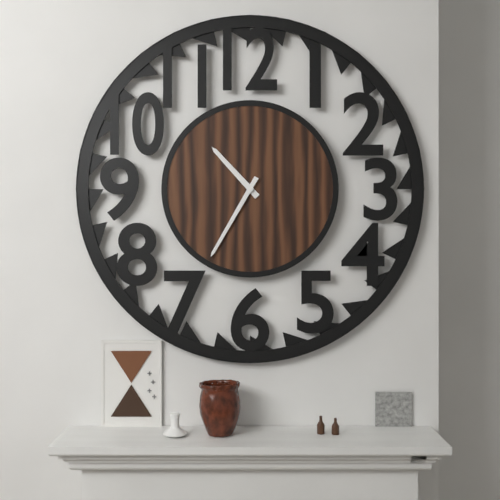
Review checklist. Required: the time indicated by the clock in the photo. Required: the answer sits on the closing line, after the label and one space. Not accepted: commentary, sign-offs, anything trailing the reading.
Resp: 10:35
